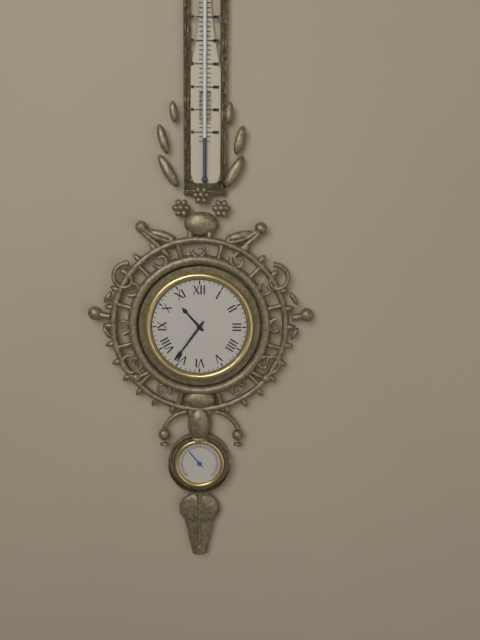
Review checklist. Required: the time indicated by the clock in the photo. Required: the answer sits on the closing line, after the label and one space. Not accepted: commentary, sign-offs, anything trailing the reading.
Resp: 10:36
